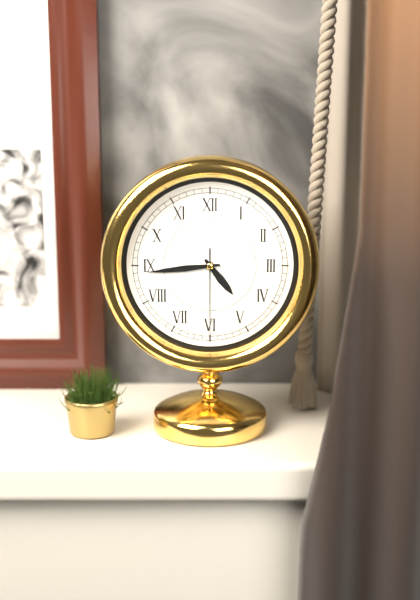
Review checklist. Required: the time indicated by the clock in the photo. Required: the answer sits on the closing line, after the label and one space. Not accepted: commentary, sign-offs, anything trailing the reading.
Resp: 4:44:30
